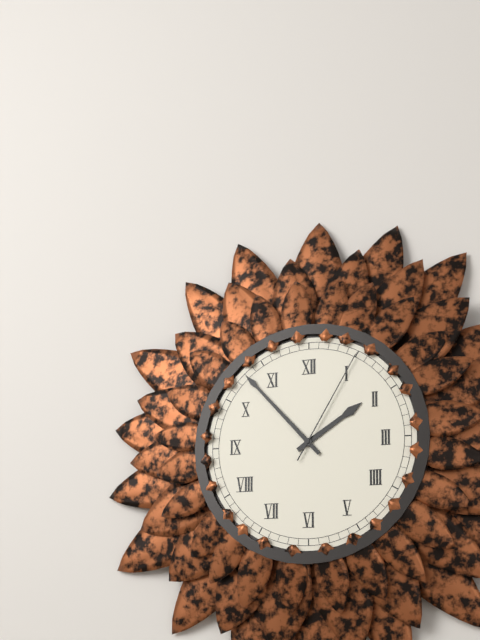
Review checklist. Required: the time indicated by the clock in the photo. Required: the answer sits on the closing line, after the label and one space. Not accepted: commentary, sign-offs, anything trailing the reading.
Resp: 1:53:05
